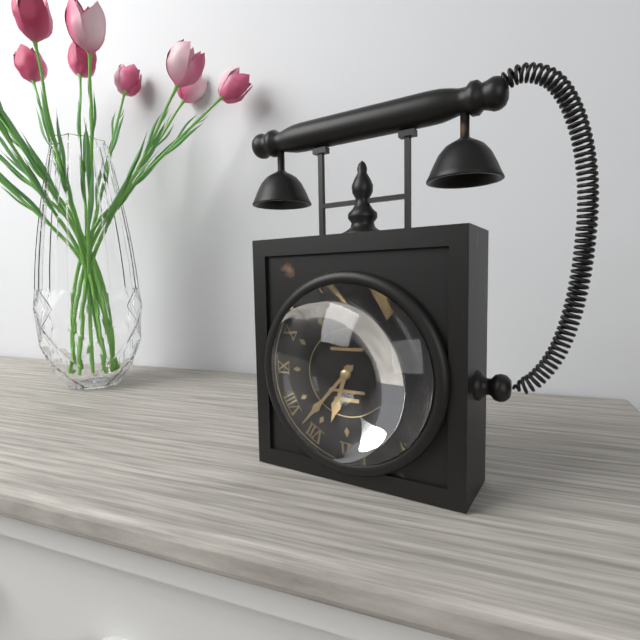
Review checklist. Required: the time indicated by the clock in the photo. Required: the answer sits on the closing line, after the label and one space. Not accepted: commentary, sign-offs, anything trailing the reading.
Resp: 6:37
